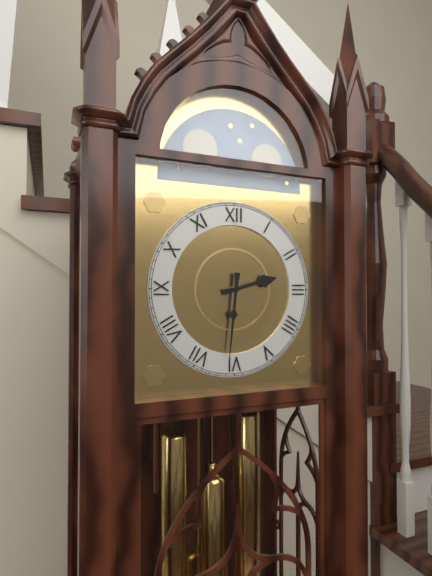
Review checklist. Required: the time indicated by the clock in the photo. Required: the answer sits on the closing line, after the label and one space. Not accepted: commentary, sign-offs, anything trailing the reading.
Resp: 2:31
